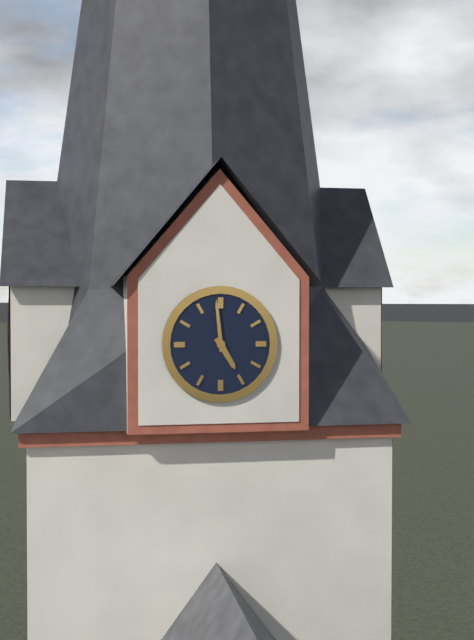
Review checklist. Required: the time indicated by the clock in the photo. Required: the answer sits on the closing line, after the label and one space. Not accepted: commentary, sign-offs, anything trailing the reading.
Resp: 4:59
